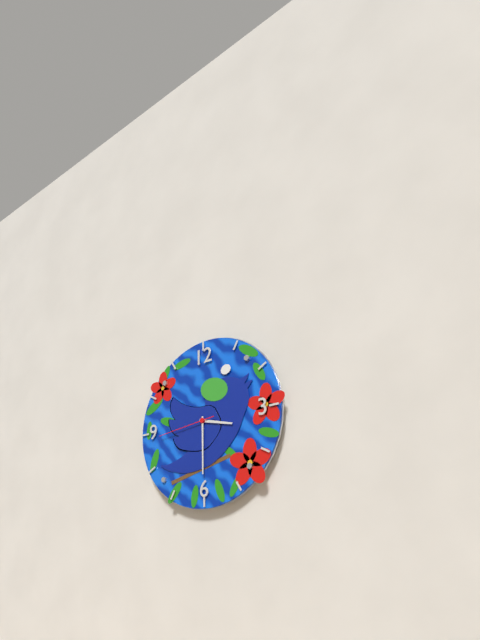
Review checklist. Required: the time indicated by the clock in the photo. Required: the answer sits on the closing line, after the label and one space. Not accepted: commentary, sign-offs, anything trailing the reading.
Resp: 3:30:44
